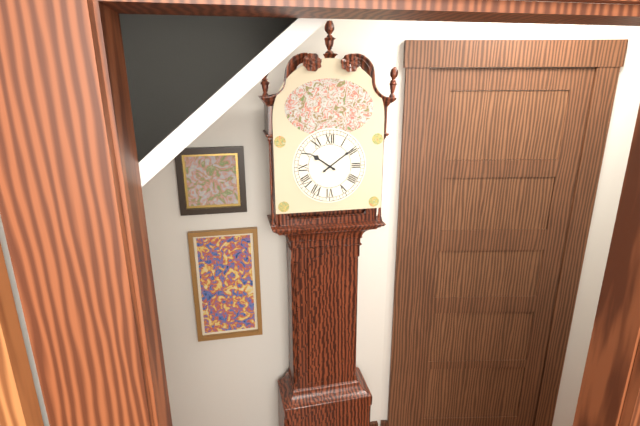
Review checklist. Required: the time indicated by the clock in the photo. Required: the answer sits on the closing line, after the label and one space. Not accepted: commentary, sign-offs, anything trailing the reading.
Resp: 10:09
